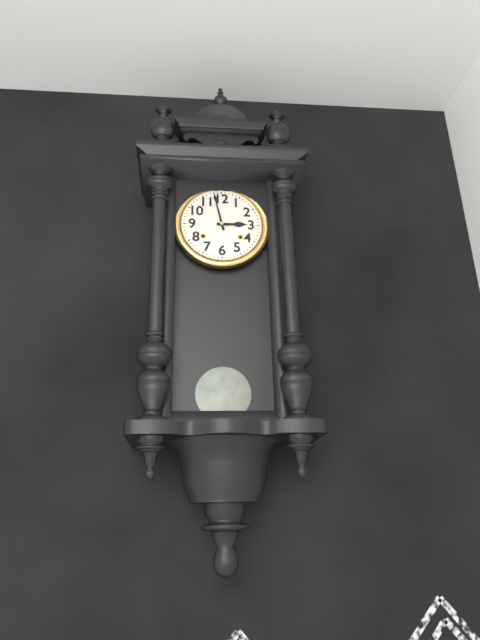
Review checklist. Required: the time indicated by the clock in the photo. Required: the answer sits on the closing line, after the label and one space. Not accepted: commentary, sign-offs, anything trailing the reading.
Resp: 2:58
